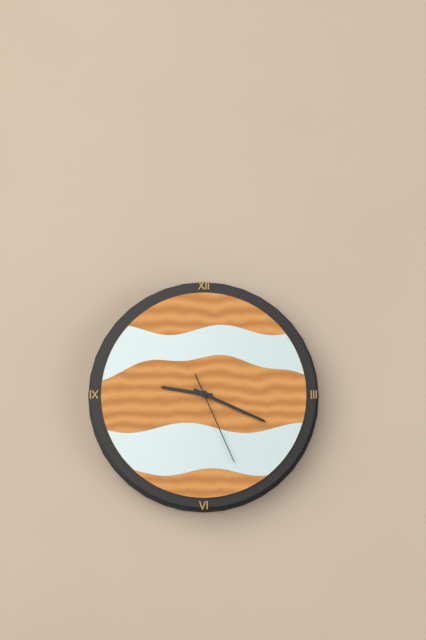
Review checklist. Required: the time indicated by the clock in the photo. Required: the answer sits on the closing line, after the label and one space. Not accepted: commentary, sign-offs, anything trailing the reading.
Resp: 9:19:26
